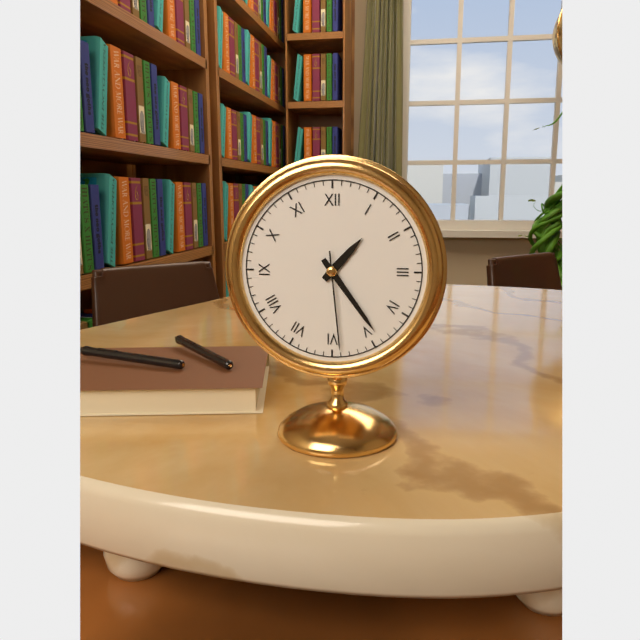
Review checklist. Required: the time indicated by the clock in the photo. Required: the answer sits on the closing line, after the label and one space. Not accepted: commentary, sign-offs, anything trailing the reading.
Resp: 1:24:29
